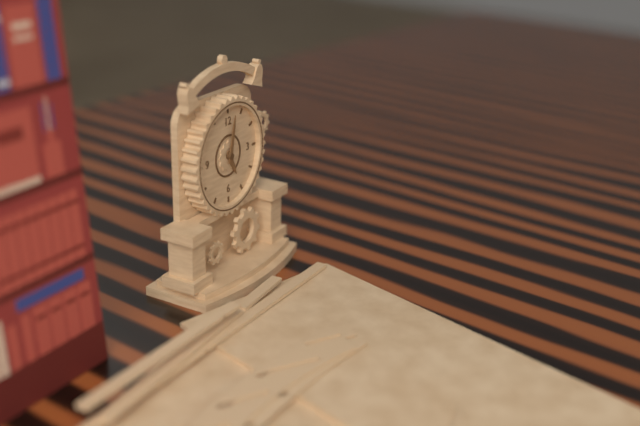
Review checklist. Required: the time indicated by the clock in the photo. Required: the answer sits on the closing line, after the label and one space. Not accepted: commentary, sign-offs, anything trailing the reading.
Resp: 5:02
